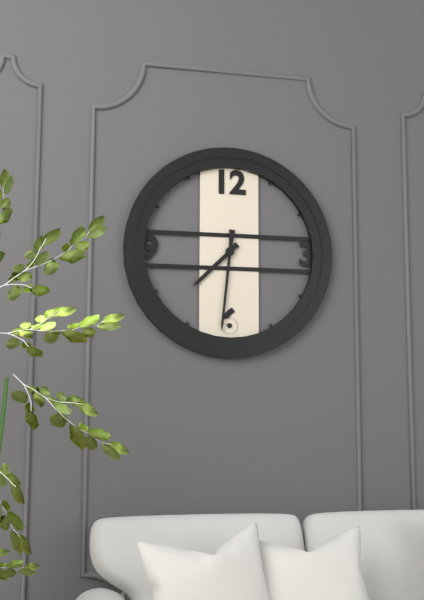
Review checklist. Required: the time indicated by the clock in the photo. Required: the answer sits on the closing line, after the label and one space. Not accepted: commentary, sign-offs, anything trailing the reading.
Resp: 7:31
